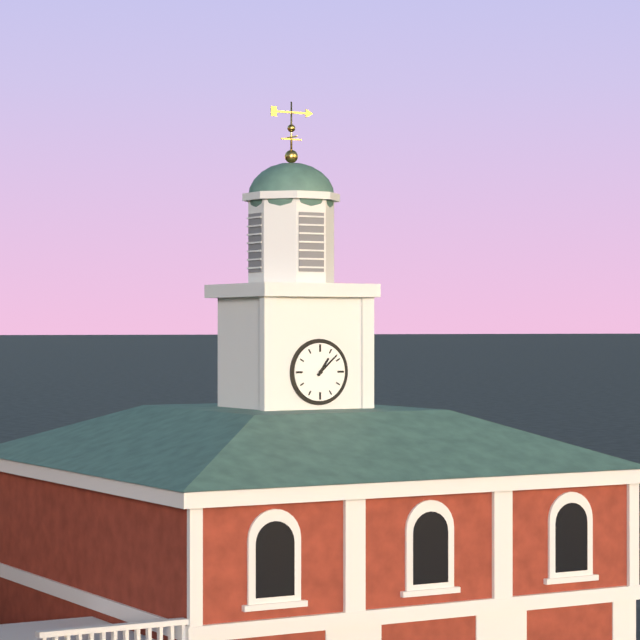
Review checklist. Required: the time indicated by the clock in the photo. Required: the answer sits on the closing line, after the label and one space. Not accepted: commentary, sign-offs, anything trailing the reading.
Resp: 1:08
